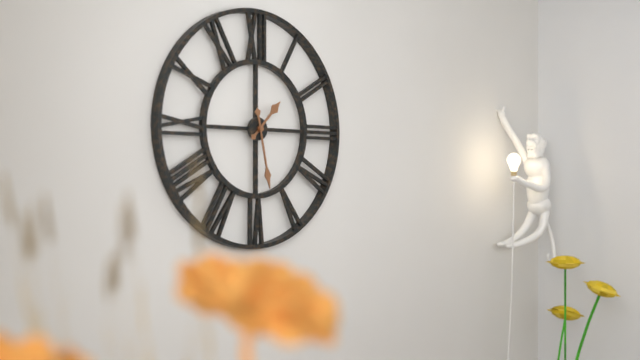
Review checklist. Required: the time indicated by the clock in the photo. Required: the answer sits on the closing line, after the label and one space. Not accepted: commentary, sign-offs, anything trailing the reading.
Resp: 1:28
